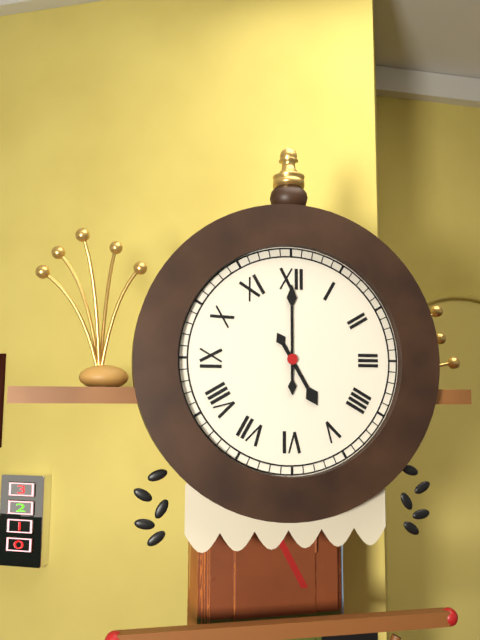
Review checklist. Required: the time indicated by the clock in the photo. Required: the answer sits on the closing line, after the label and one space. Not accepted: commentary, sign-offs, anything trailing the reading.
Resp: 5:00
